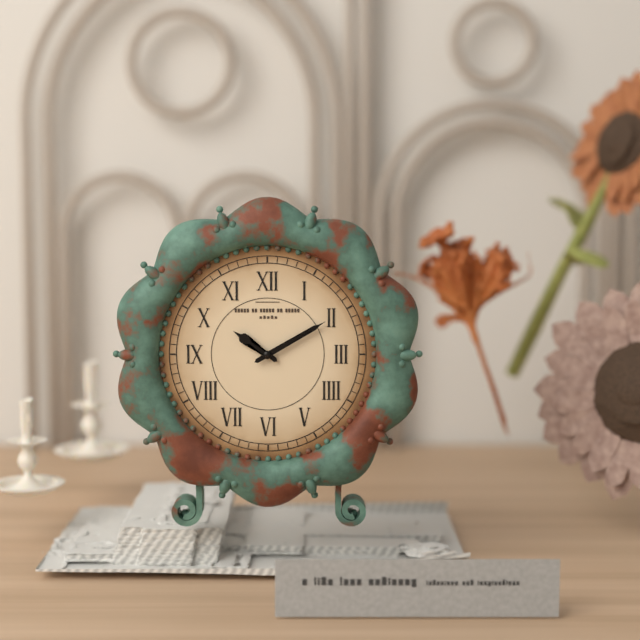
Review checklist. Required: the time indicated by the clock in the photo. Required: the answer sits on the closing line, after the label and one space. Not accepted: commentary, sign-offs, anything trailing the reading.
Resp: 10:10
